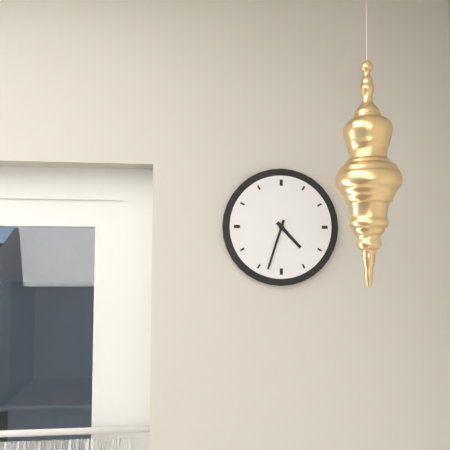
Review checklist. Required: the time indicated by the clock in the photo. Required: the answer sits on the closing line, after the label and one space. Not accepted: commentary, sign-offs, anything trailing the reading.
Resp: 4:33
